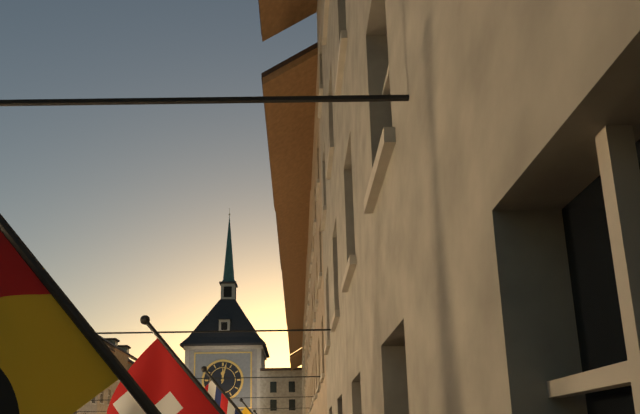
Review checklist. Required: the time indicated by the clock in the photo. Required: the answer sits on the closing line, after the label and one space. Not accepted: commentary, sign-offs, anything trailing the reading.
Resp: 12:02
